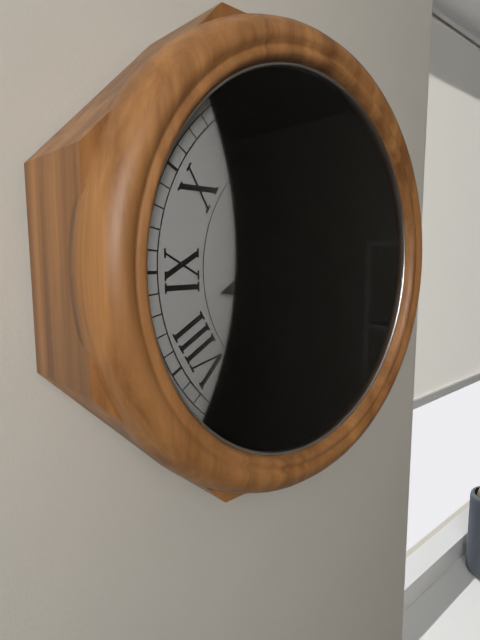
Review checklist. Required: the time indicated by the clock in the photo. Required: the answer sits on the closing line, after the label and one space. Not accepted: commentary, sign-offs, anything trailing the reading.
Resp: 8:37
